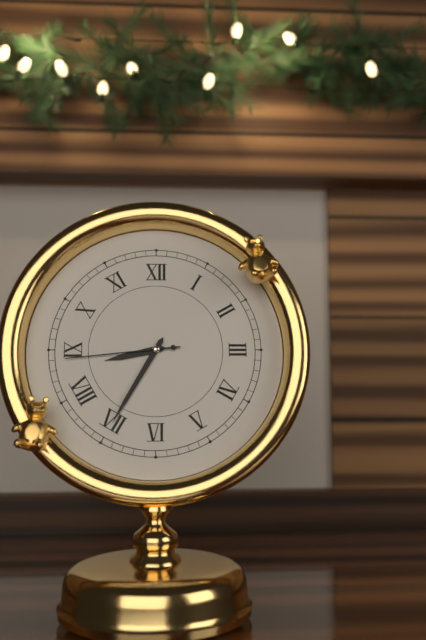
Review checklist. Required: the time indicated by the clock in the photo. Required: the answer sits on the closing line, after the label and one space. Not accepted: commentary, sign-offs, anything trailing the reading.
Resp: 8:35:44
